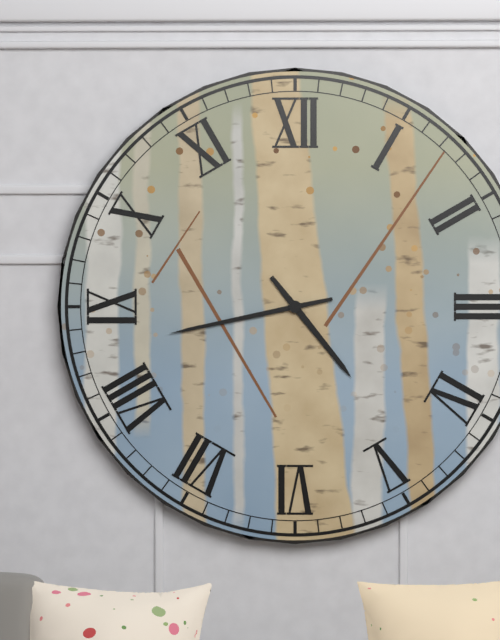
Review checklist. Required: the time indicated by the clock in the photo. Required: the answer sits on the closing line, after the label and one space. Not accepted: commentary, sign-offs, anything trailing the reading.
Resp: 4:43
